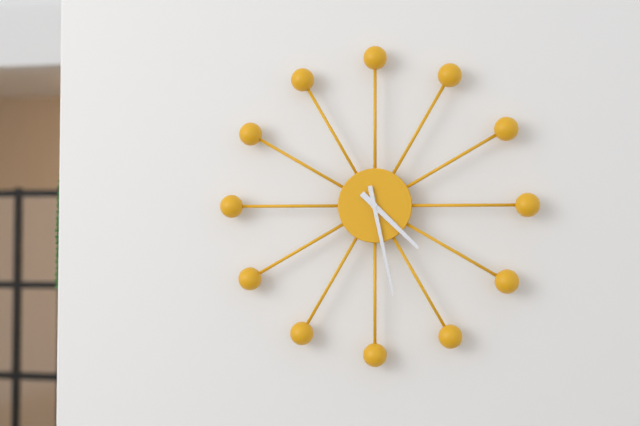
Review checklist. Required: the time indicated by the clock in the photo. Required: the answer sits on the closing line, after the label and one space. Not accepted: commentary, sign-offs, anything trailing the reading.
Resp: 4:28
